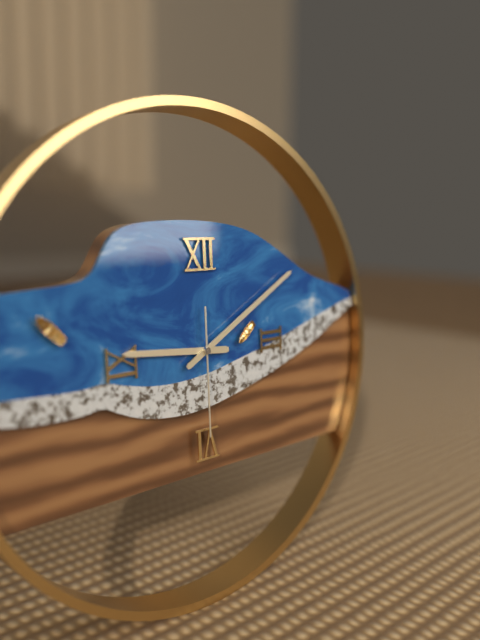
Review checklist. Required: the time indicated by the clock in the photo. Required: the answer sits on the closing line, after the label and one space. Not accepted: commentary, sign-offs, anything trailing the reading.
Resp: 9:10:30
